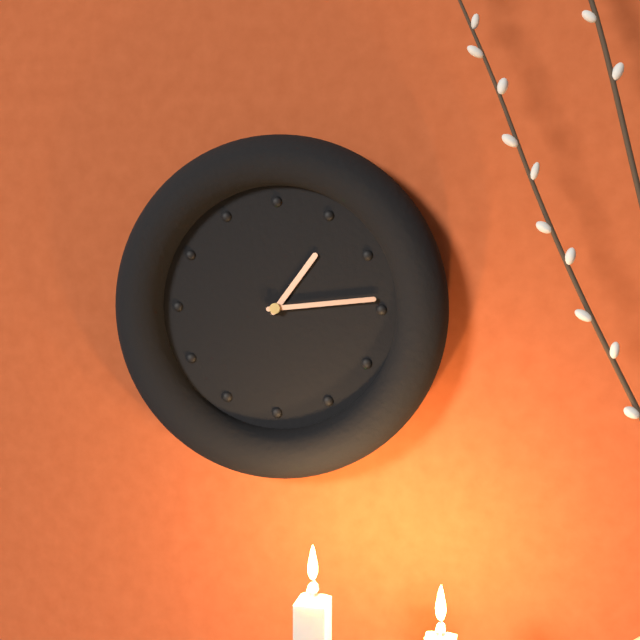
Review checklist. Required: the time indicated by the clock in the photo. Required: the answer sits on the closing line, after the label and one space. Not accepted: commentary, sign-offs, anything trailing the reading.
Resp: 1:14
